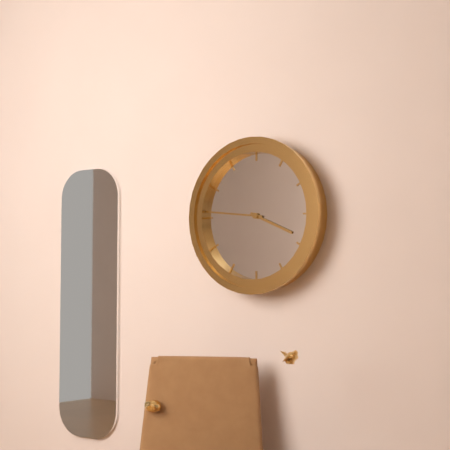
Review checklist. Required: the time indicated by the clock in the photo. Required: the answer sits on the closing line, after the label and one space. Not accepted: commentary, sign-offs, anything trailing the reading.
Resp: 3:46
